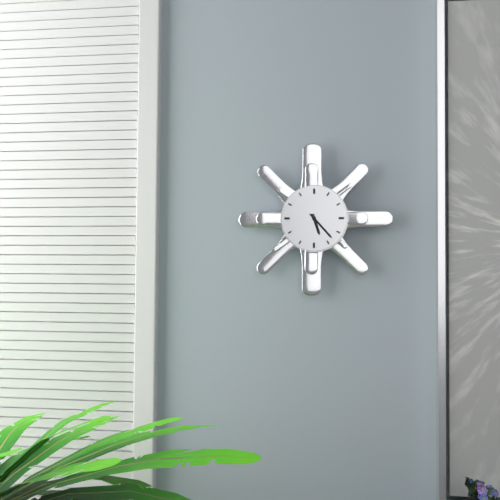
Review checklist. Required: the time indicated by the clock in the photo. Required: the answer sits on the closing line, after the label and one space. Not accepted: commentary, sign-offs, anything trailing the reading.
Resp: 5:23
